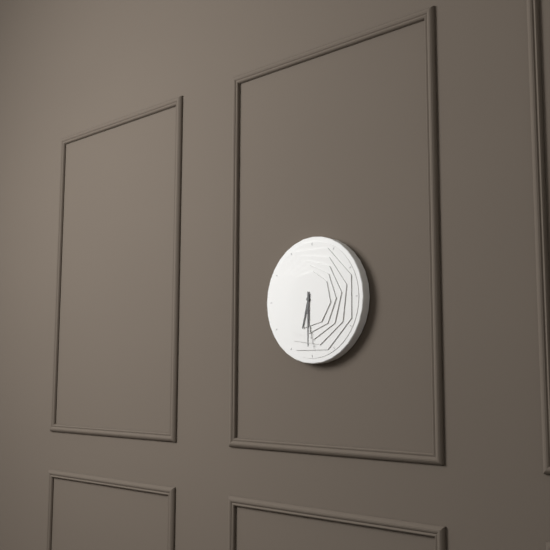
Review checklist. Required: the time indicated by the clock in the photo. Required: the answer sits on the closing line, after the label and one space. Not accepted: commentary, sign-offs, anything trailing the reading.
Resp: 6:30
